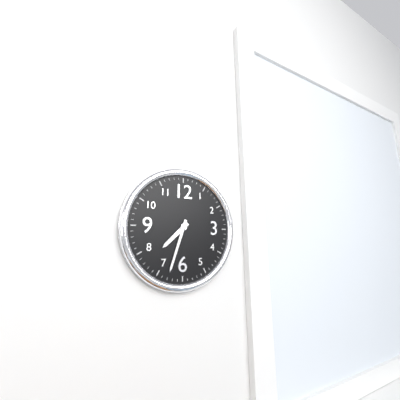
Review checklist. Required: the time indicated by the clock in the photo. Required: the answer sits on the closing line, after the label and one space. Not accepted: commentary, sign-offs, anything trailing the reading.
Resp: 7:33
